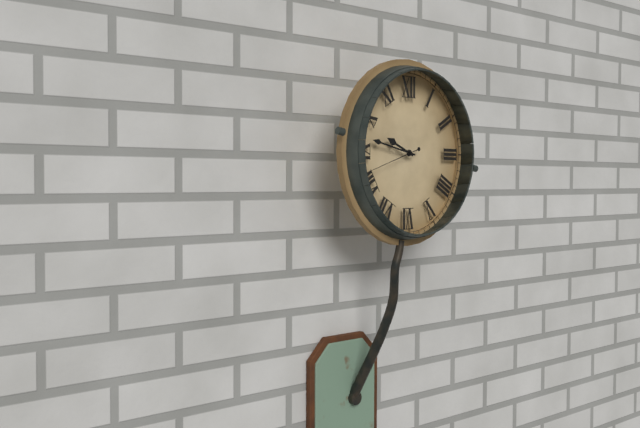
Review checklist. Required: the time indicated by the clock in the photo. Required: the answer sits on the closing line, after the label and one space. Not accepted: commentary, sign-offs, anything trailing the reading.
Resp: 9:47:42
